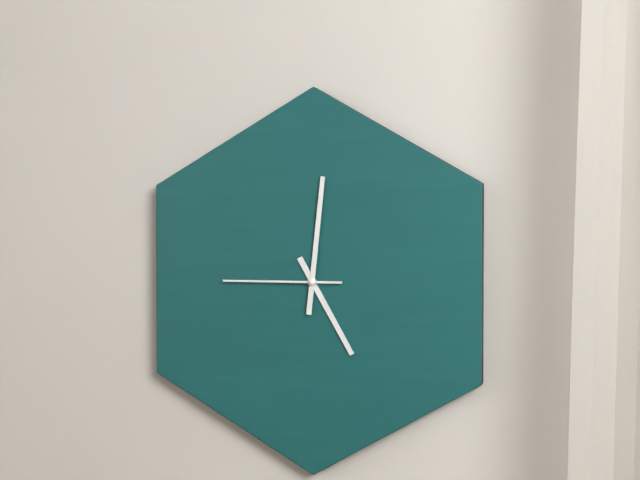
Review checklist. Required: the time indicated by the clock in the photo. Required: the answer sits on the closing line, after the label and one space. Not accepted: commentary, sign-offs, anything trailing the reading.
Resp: 5:01:45
